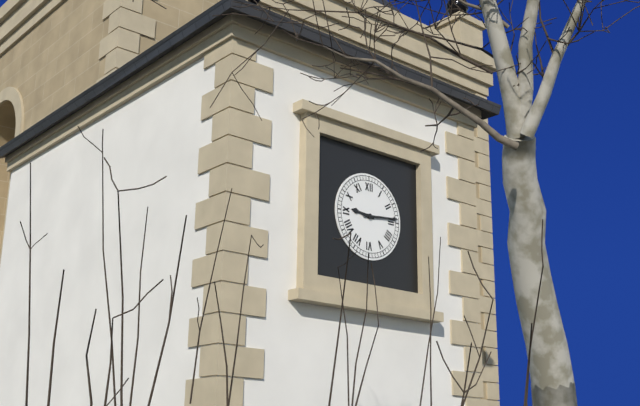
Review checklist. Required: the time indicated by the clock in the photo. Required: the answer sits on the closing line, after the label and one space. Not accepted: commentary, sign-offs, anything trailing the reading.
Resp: 9:14
